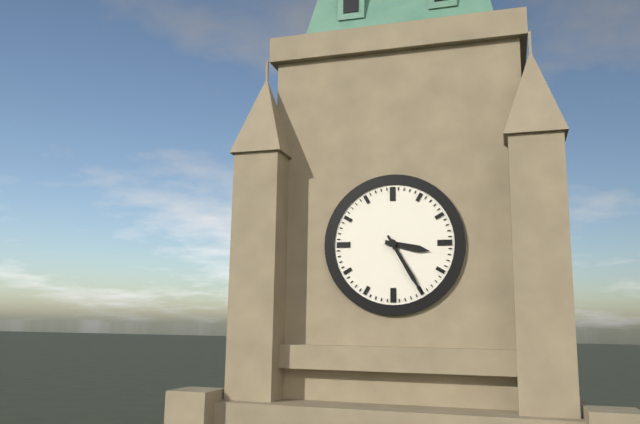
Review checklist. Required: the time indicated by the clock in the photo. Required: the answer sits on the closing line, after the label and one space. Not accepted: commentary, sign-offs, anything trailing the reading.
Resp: 3:25
